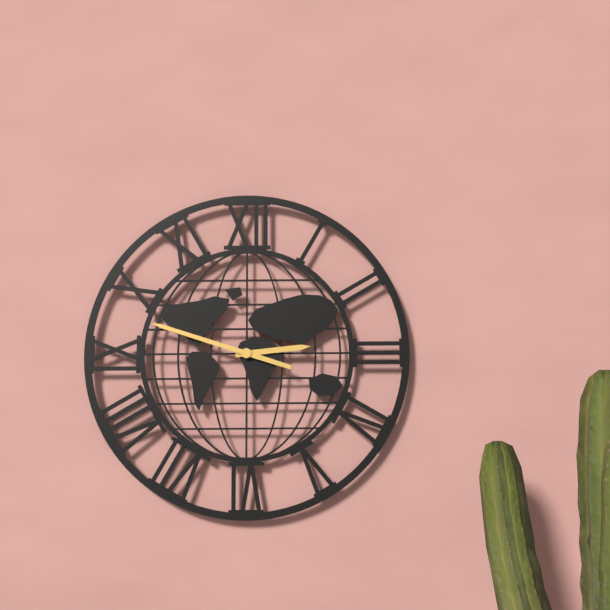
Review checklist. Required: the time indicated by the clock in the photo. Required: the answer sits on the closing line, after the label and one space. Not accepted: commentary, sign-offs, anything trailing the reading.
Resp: 2:48
